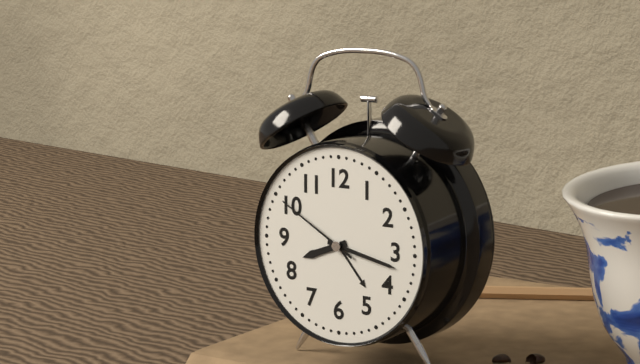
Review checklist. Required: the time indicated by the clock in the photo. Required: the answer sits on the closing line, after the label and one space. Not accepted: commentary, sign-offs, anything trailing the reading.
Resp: 8:17:50
